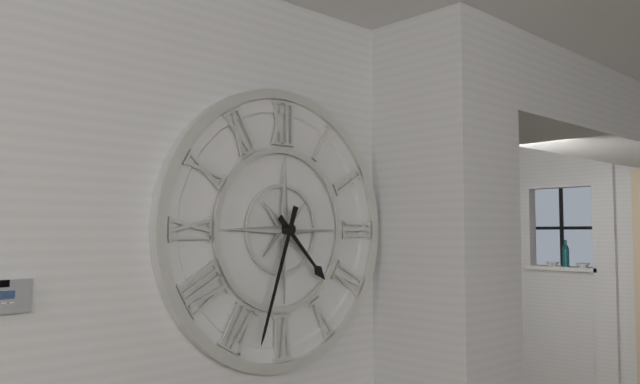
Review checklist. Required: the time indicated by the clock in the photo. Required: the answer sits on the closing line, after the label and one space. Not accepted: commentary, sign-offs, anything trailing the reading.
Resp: 4:33
